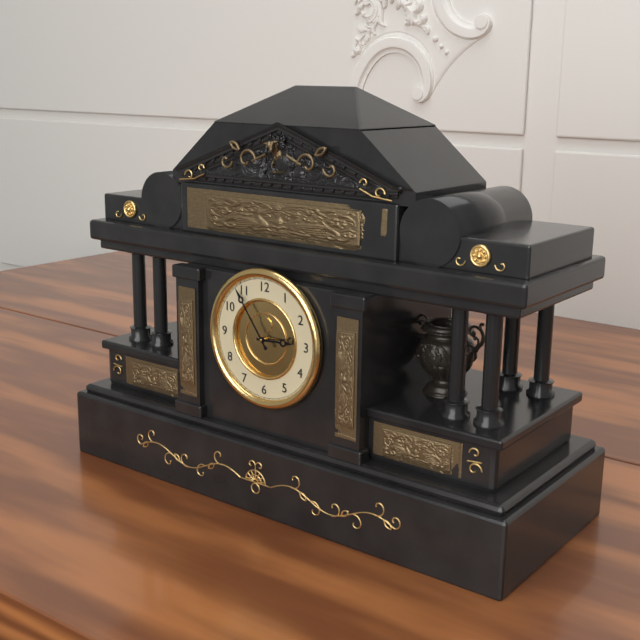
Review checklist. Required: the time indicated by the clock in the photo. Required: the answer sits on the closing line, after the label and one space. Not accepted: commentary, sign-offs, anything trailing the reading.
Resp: 2:54
